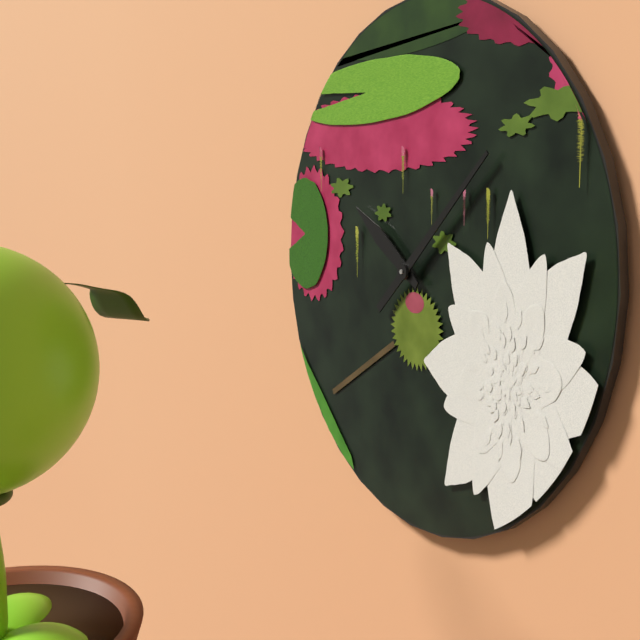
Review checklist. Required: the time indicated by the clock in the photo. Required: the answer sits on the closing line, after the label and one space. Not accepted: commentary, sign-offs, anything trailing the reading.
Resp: 10:08
